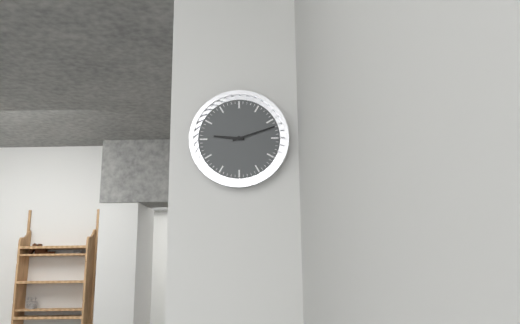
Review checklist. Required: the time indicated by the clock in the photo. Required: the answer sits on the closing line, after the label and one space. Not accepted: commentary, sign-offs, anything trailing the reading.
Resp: 9:12
